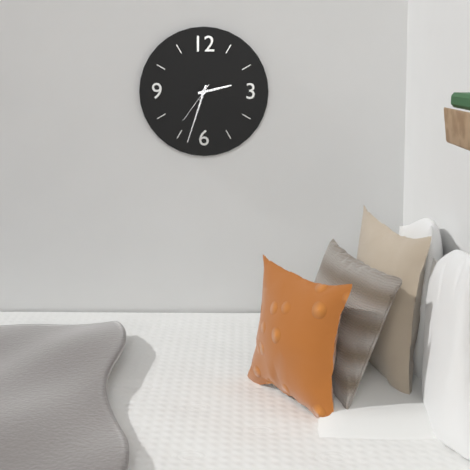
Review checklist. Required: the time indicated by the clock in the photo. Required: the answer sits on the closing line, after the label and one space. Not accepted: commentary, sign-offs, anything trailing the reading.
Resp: 2:33
